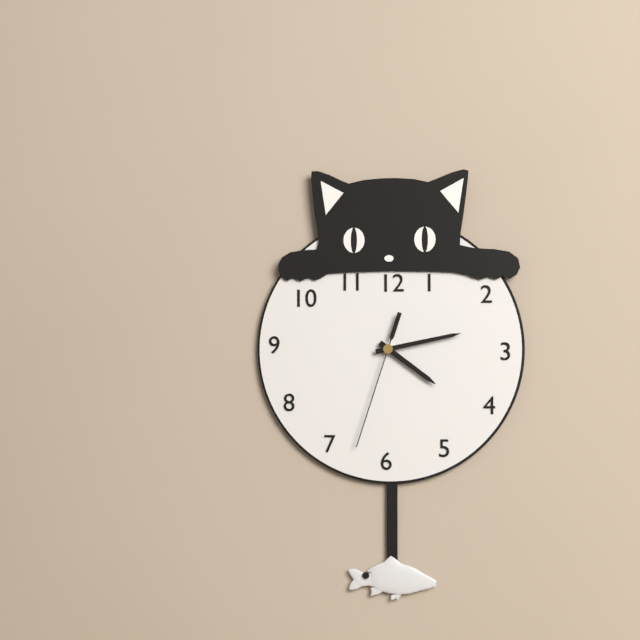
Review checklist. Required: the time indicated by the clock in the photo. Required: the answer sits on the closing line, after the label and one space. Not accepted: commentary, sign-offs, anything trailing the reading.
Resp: 4:13:33
